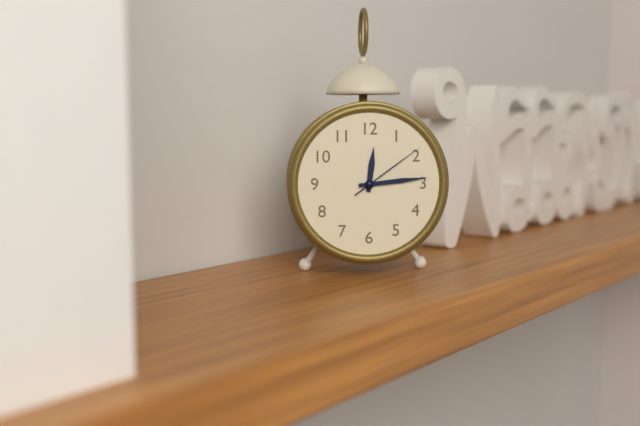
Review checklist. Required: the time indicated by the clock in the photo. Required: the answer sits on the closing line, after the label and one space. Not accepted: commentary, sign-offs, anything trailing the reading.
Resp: 12:14:09
